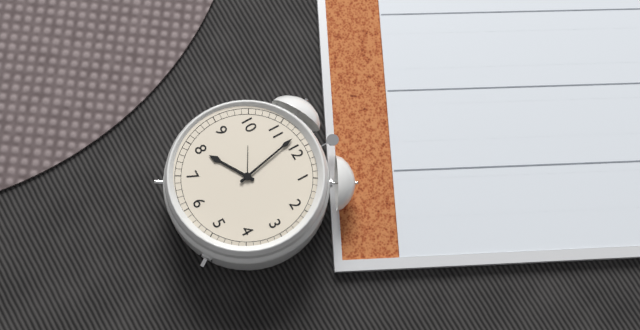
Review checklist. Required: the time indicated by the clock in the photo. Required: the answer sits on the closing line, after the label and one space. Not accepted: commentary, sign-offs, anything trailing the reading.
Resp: 7:58
